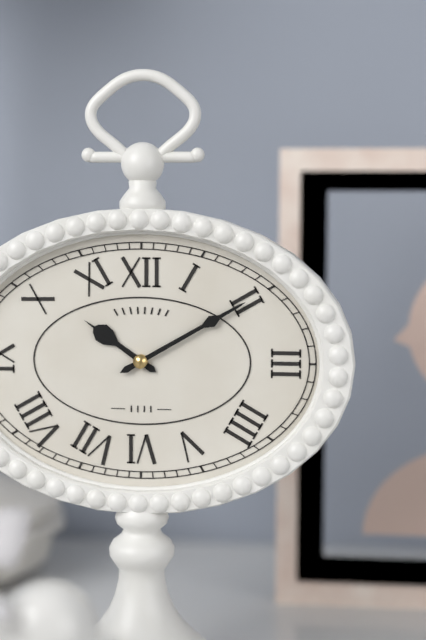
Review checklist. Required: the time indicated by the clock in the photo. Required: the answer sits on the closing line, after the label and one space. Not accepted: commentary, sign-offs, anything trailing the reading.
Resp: 10:10
